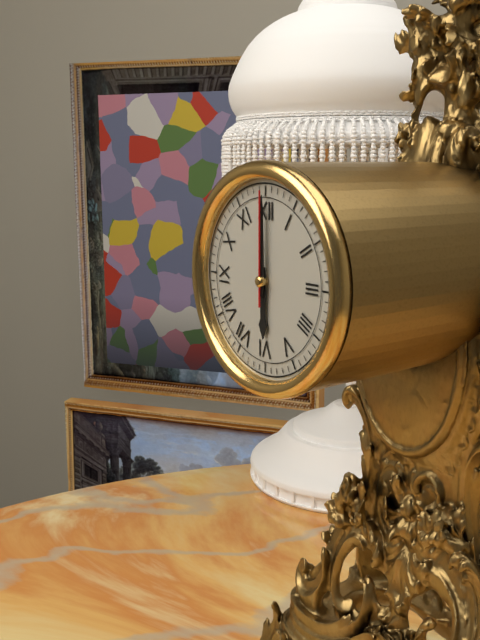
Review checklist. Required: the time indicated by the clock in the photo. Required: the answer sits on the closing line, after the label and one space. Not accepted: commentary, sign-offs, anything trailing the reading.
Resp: 6:00:00
